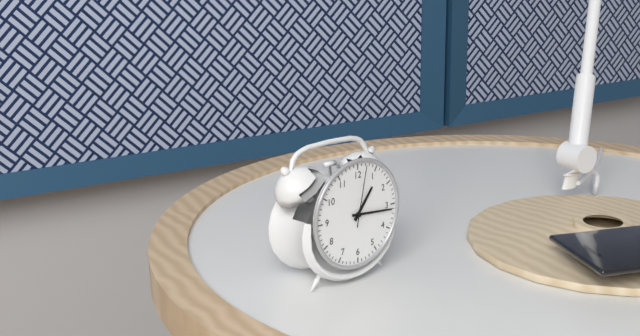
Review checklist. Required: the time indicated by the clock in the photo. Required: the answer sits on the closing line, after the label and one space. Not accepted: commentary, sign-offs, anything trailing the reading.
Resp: 1:16:02
